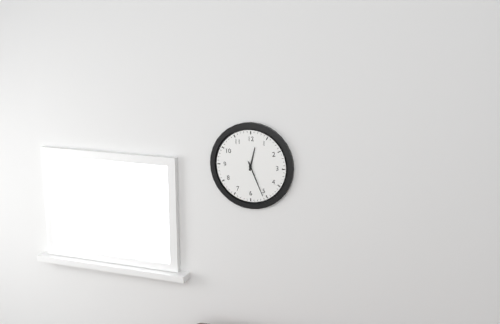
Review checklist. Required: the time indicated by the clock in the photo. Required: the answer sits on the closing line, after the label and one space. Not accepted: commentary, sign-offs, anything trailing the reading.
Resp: 12:26
